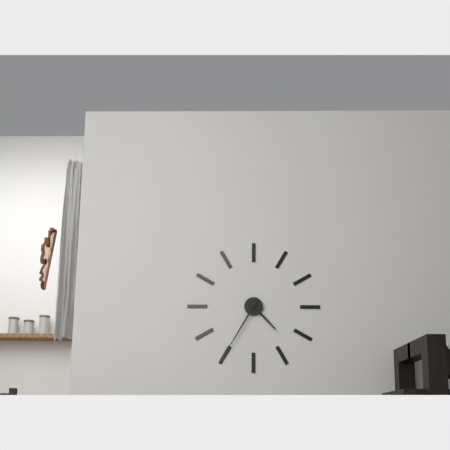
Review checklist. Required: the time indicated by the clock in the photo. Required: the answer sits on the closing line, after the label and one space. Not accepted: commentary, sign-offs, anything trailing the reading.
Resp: 4:35
